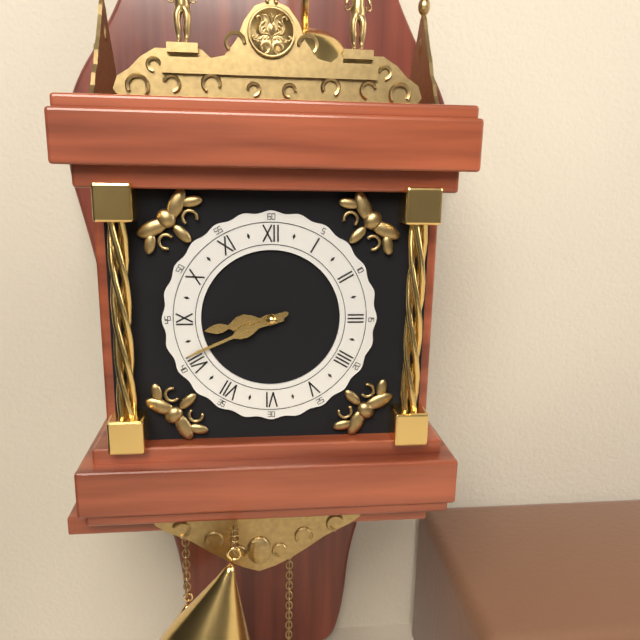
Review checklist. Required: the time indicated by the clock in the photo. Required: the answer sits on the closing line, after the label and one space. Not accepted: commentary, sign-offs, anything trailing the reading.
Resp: 8:41
